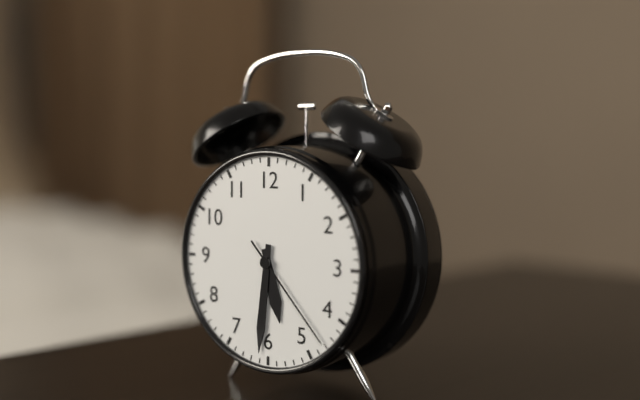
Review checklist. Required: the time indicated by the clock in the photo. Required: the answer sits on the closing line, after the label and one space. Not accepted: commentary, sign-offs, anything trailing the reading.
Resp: 5:31:23
